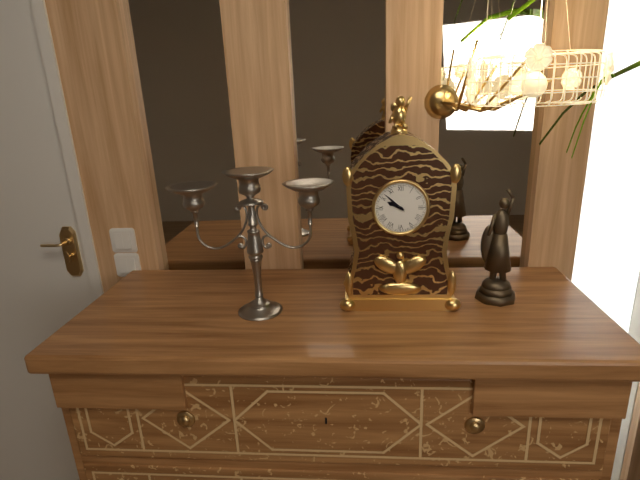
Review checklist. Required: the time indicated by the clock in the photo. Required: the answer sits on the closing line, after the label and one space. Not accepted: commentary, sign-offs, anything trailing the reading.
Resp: 9:52
